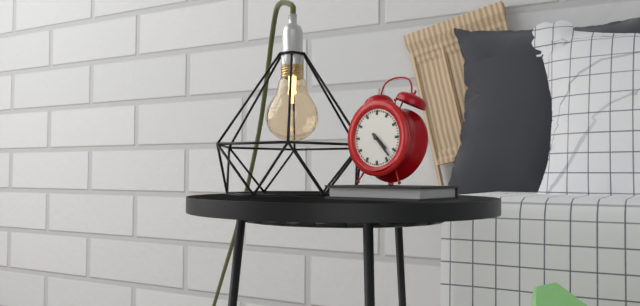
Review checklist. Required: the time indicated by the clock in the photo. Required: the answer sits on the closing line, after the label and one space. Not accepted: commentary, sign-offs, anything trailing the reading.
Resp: 4:23
